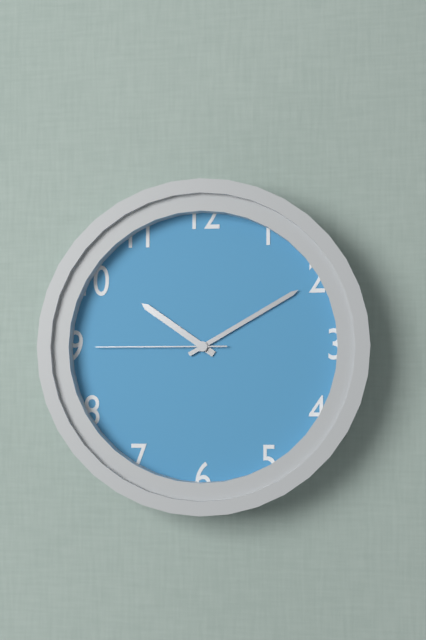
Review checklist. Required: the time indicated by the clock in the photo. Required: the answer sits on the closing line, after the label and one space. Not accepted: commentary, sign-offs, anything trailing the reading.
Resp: 10:10:45
